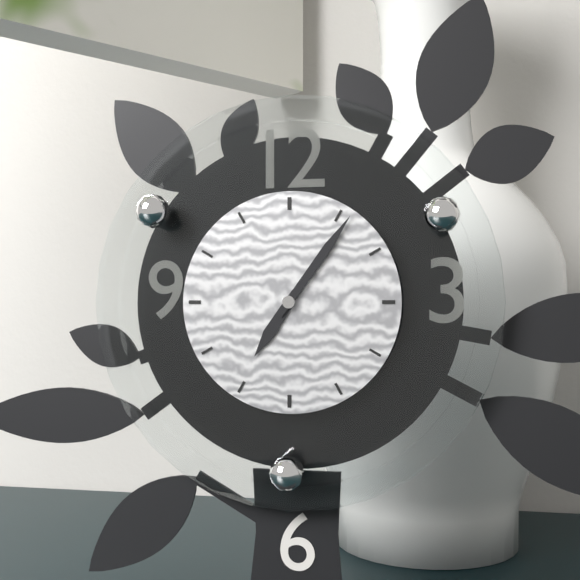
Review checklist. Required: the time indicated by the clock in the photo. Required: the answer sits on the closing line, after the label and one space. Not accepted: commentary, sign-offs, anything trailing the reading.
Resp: 7:06
